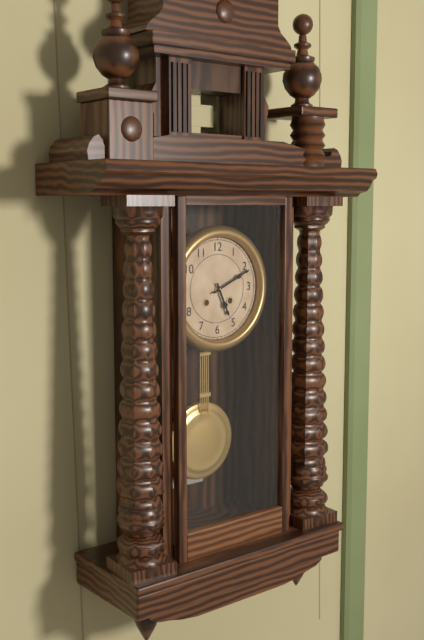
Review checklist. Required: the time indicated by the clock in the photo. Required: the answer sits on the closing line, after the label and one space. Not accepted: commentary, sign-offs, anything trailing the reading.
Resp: 5:11
